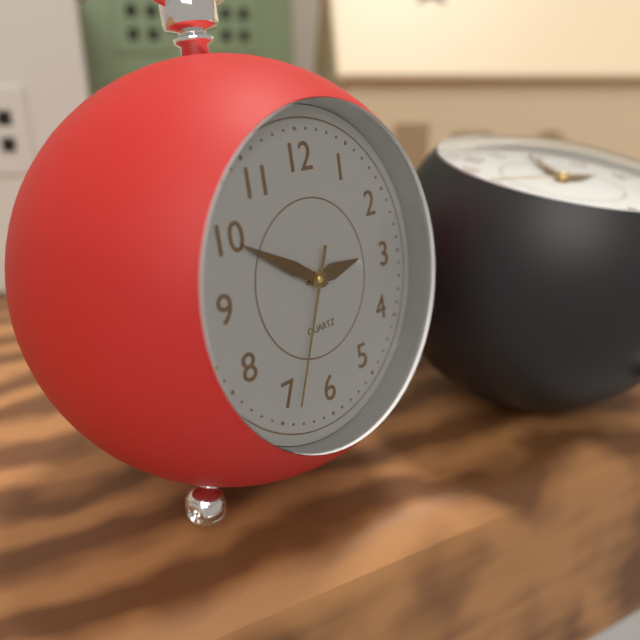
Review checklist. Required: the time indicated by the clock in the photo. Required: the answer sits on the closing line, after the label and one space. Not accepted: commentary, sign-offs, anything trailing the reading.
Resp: 2:50:34
